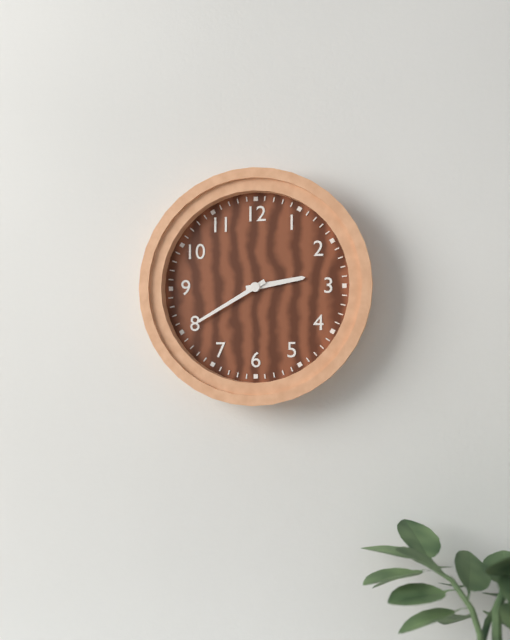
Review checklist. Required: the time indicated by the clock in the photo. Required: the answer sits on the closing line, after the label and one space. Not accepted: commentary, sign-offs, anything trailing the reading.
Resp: 2:40
